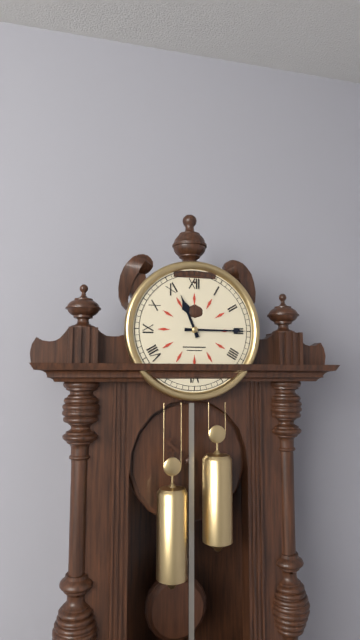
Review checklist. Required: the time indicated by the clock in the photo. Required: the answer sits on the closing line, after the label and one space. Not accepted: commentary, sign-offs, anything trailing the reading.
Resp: 11:15
